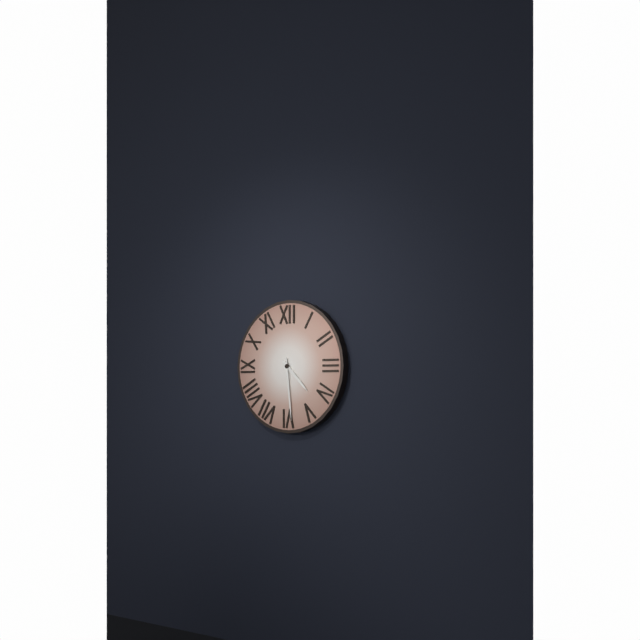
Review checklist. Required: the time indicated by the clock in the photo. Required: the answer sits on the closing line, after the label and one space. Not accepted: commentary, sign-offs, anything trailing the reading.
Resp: 4:29
